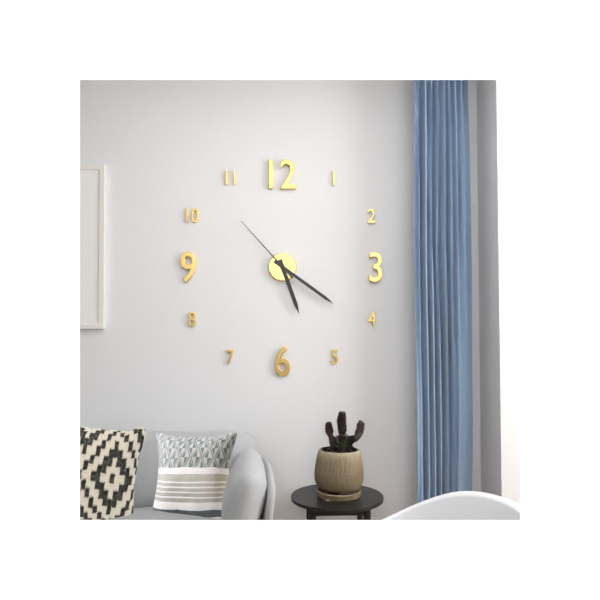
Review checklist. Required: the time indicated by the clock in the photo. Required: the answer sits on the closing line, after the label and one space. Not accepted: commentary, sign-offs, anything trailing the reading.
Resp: 5:21:53
